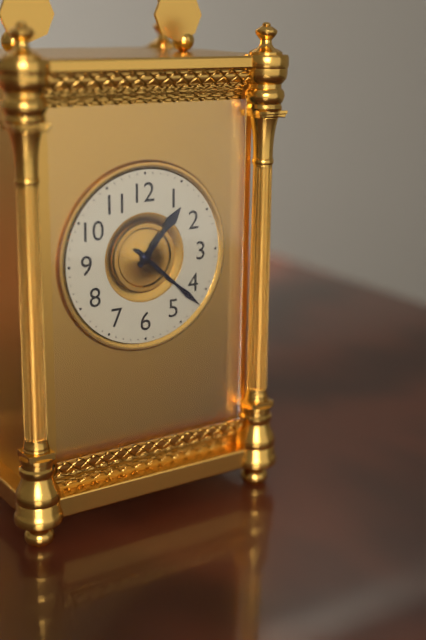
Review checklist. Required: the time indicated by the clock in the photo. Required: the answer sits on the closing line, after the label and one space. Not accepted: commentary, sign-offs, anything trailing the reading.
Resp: 1:22
